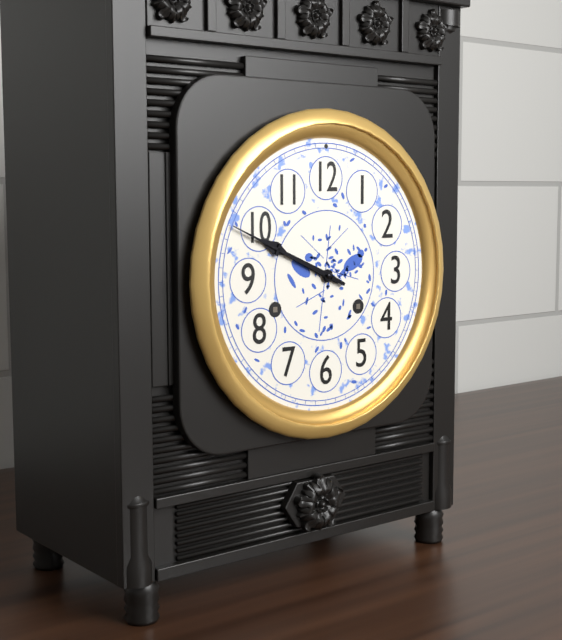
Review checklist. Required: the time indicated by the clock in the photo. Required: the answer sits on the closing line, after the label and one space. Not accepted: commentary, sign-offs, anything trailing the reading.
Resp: 9:49
